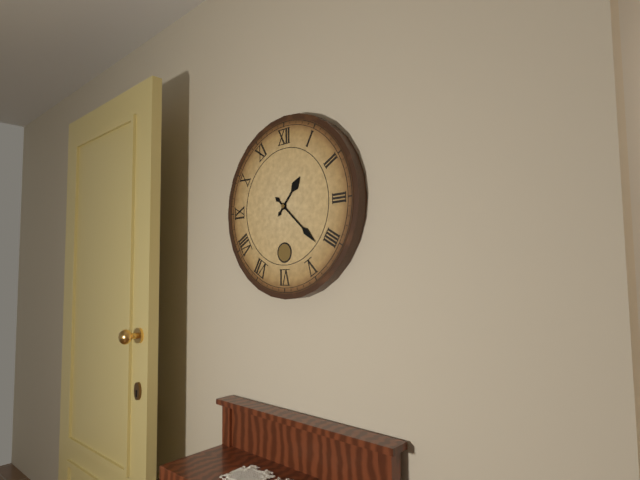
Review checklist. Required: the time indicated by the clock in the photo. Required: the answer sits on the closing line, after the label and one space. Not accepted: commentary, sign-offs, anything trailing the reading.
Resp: 1:22
